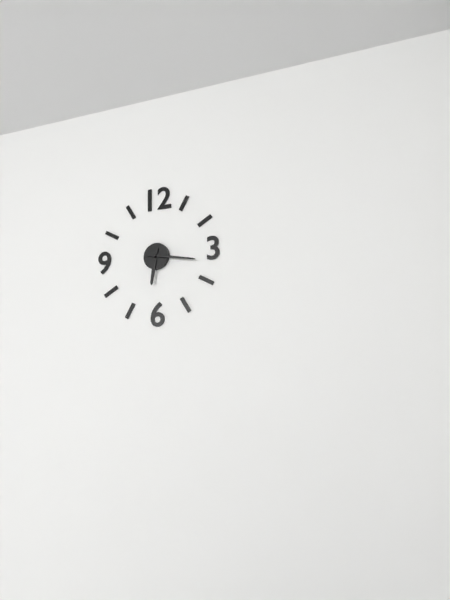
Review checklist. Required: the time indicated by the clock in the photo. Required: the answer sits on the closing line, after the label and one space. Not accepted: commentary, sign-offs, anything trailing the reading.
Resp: 6:17
